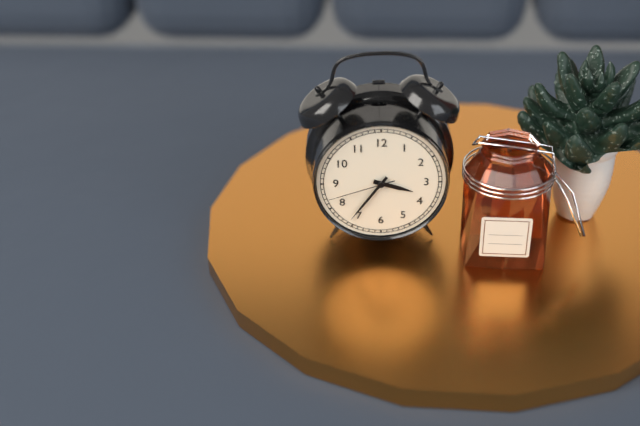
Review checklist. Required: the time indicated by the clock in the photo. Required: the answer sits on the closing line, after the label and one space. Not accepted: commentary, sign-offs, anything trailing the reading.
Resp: 3:36:42
